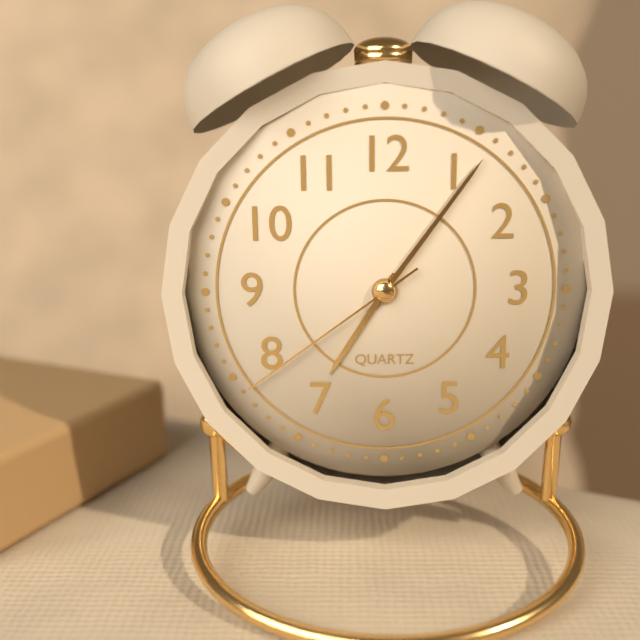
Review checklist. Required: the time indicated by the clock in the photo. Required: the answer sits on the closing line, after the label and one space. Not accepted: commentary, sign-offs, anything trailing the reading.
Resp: 7:06:39
